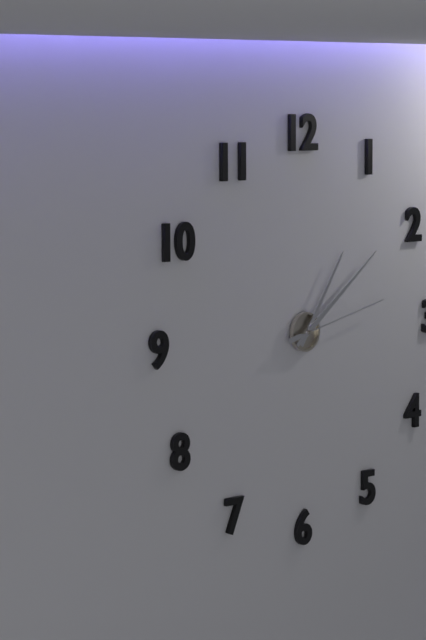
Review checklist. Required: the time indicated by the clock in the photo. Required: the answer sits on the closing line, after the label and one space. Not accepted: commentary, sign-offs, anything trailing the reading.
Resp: 1:09:13
